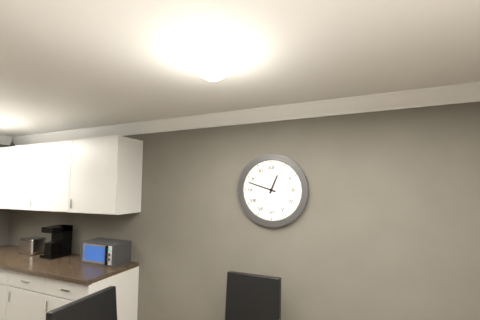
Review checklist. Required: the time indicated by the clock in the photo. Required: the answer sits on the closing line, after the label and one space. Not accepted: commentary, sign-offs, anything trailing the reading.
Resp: 12:48
